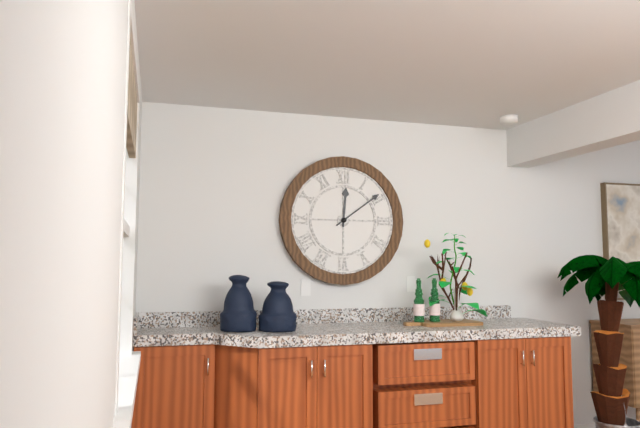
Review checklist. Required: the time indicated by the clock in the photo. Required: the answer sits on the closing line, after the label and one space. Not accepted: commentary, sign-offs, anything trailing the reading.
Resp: 12:09
